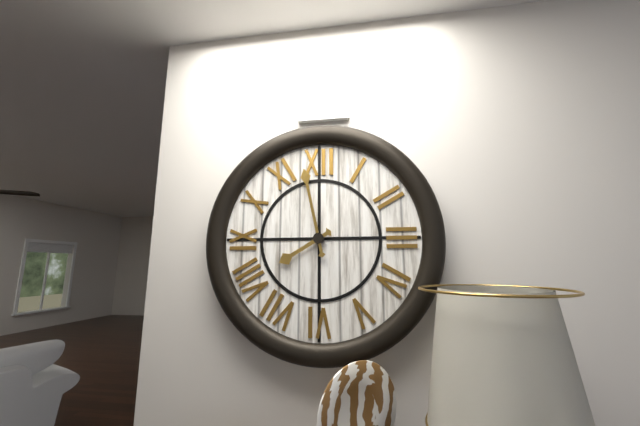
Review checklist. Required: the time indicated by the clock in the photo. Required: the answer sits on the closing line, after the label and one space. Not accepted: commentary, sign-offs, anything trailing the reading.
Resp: 7:58
